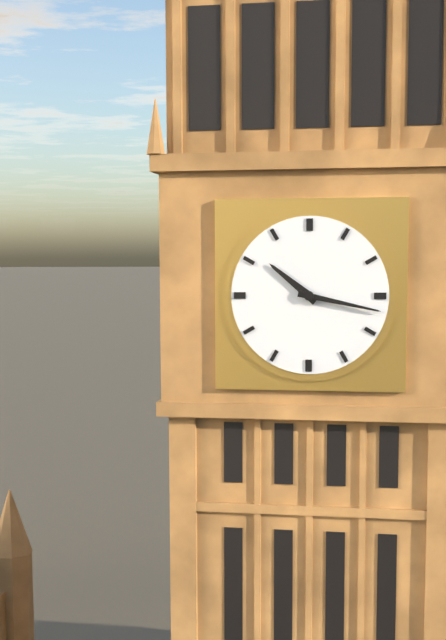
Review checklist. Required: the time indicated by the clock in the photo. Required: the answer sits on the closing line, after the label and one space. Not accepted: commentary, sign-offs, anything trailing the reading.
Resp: 10:17
